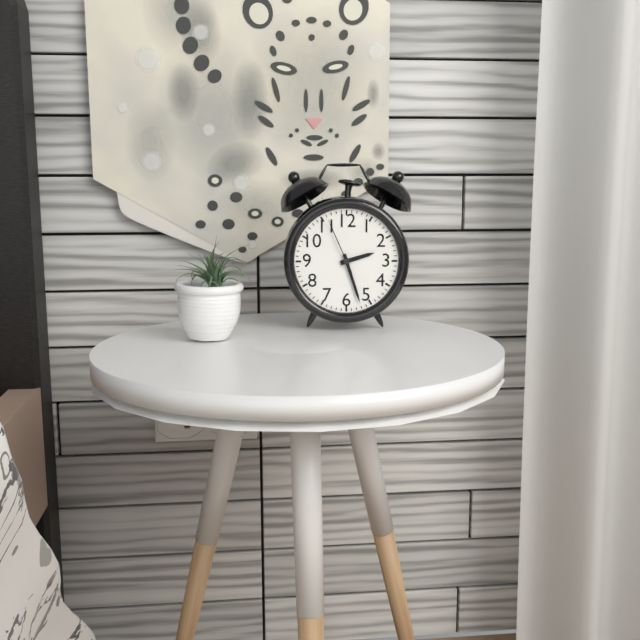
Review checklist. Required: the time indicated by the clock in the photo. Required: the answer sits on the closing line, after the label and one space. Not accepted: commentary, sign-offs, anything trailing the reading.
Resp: 2:27:56
